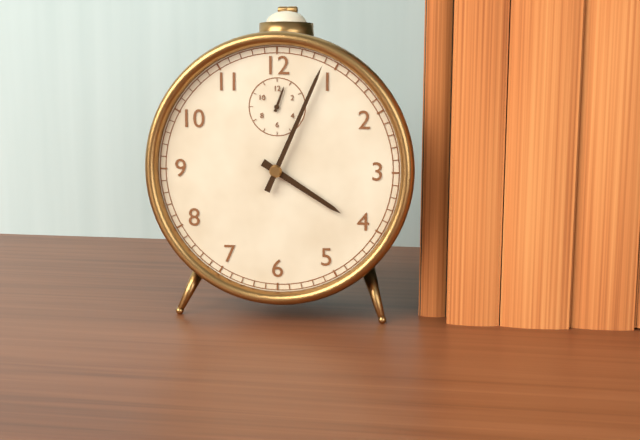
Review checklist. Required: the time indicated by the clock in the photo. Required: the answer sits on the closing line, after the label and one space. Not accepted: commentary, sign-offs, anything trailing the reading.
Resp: 4:04
